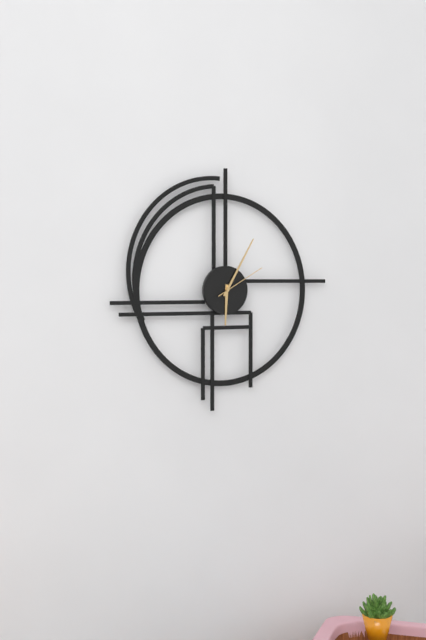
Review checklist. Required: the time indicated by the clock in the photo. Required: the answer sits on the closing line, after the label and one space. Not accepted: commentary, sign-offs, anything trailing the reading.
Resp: 6:05:10
